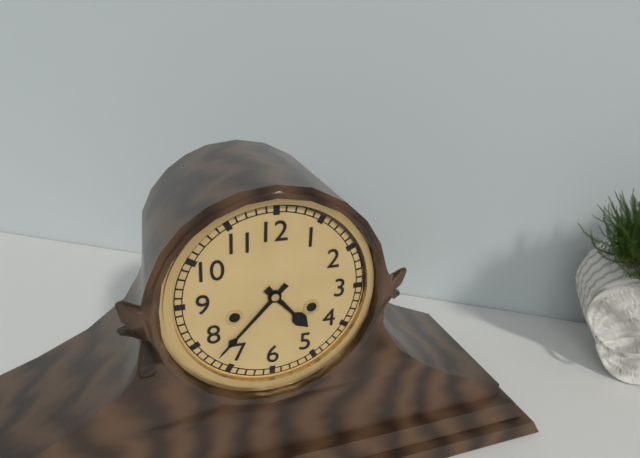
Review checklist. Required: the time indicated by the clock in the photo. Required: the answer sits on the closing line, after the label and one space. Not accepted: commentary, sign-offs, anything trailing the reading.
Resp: 4:37
